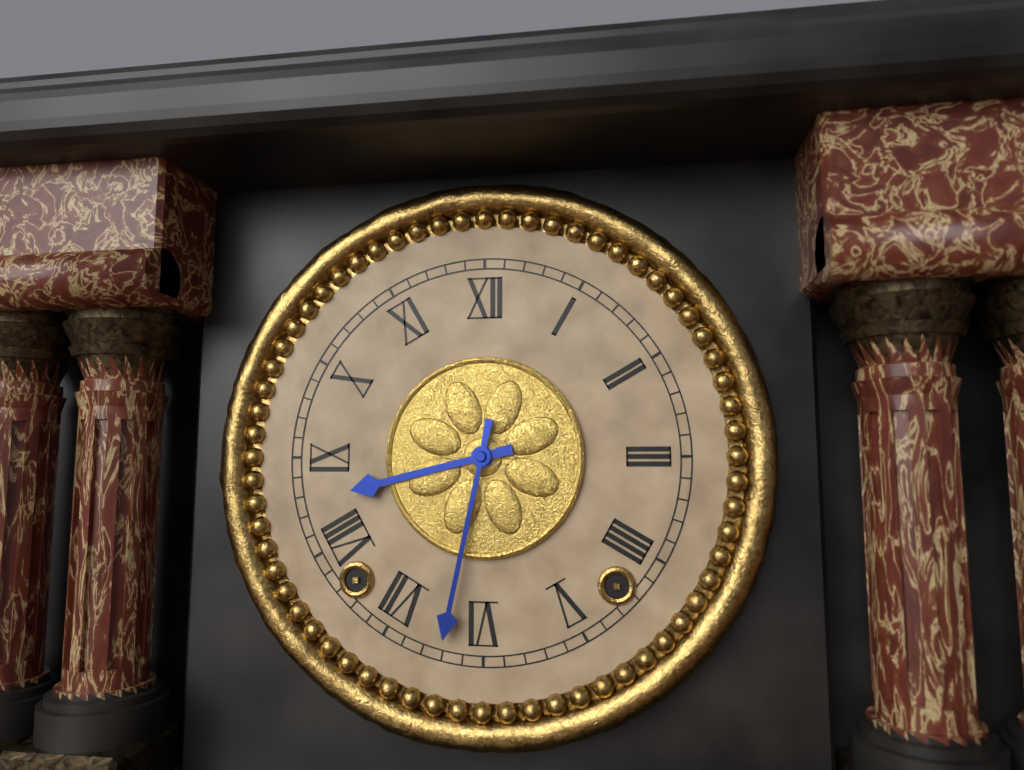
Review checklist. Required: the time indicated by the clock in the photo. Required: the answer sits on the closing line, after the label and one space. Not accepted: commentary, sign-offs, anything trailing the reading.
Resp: 8:32
